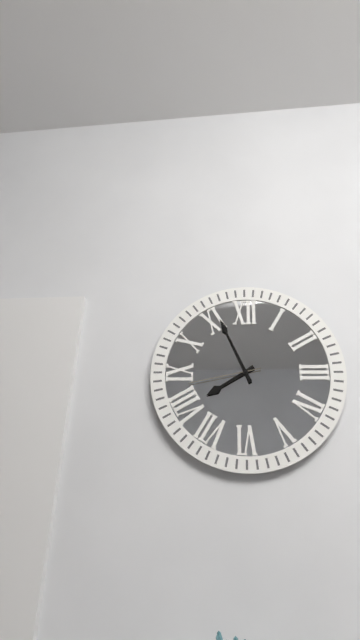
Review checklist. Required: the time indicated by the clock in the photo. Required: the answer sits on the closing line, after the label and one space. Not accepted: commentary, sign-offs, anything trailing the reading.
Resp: 7:56:43
